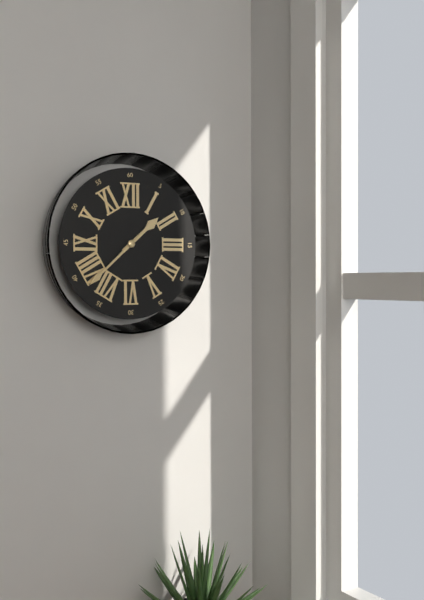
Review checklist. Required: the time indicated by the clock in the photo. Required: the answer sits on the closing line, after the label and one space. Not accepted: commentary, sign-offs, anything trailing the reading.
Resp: 1:38
